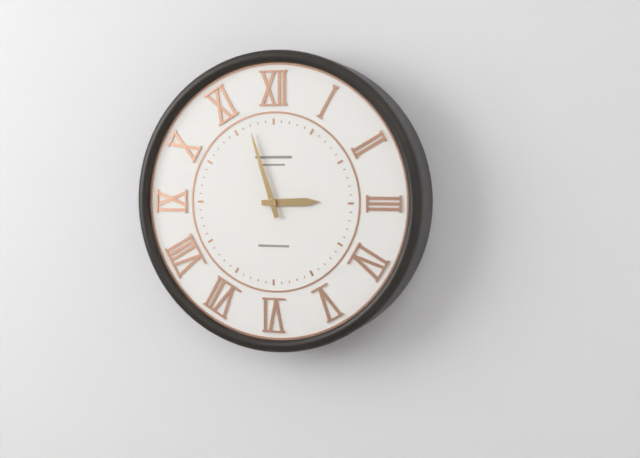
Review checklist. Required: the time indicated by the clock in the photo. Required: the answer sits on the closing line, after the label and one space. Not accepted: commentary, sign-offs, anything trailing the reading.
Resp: 2:57
